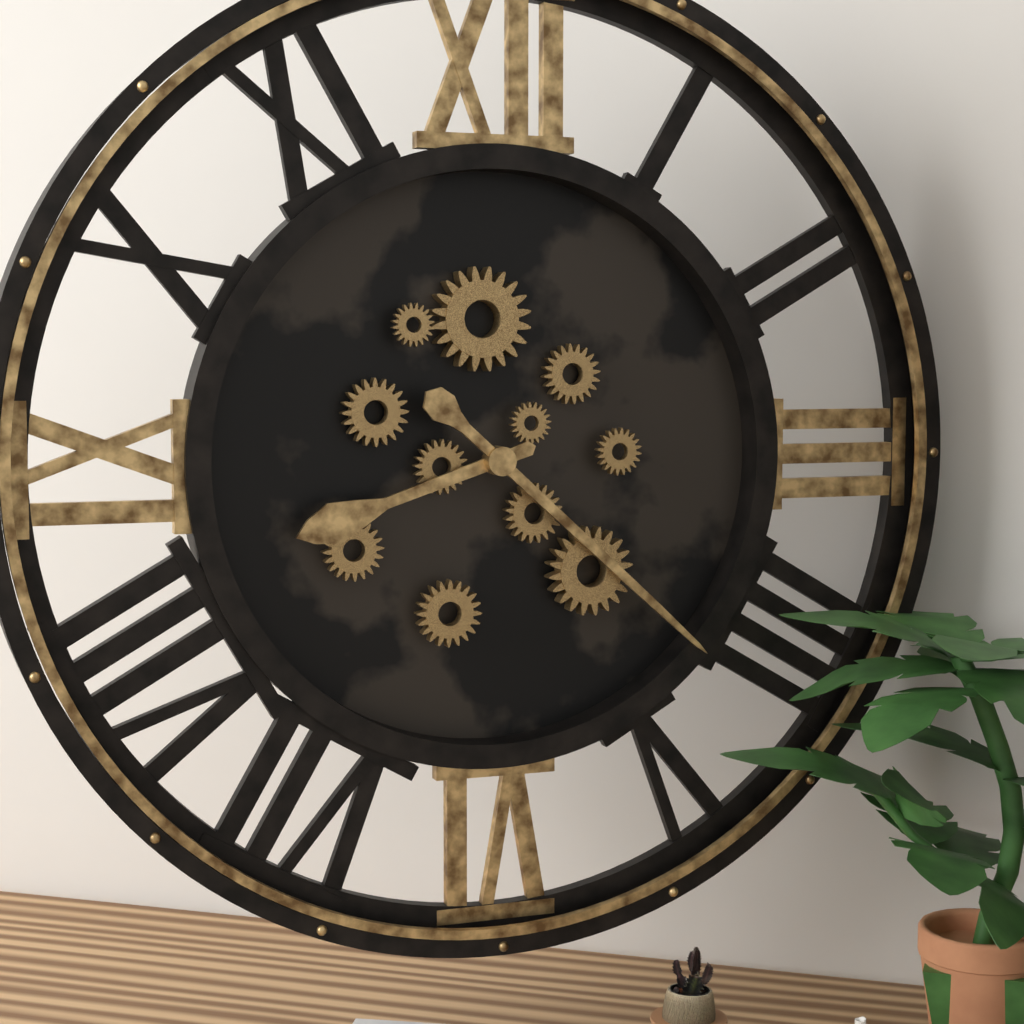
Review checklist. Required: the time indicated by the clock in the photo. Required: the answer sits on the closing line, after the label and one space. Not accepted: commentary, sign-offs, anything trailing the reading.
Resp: 8:22
